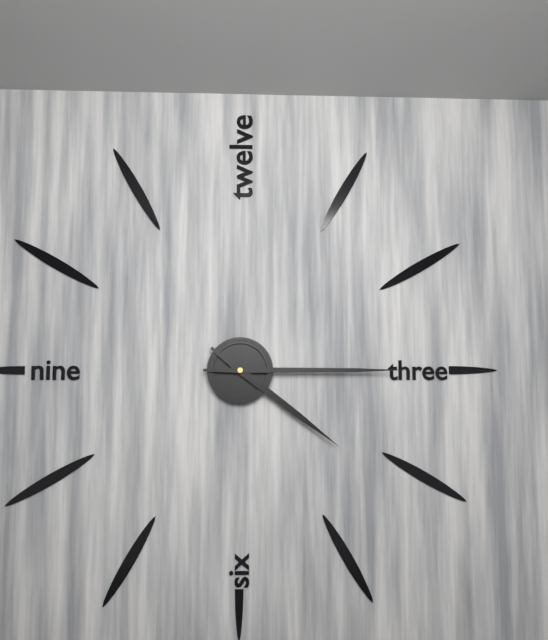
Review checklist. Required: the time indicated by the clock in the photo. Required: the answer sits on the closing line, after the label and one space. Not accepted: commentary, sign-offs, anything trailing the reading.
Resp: 4:15
